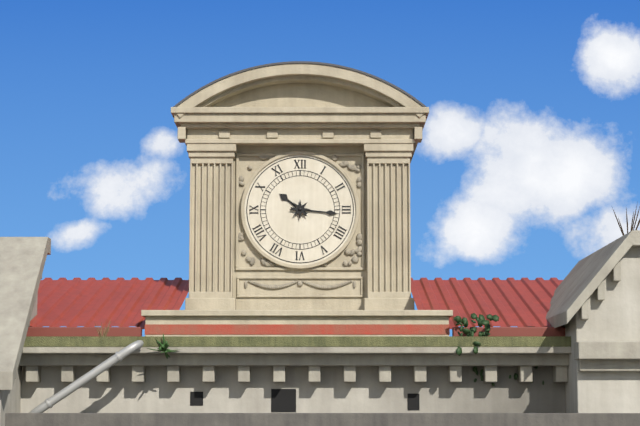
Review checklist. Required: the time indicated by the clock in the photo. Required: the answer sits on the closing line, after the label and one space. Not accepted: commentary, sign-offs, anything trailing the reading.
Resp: 10:16
